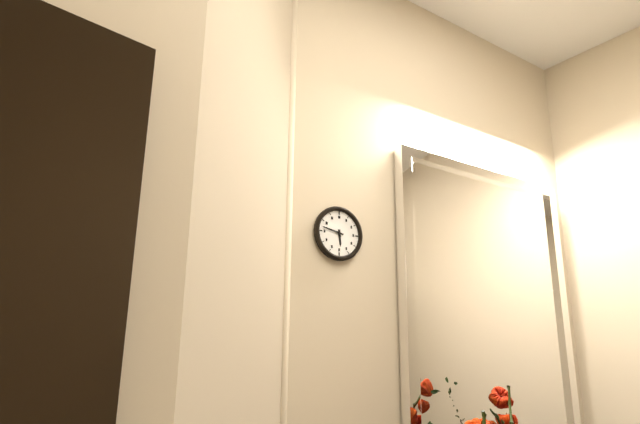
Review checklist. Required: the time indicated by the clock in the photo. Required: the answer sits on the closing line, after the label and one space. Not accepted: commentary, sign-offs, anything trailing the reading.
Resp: 5:47
